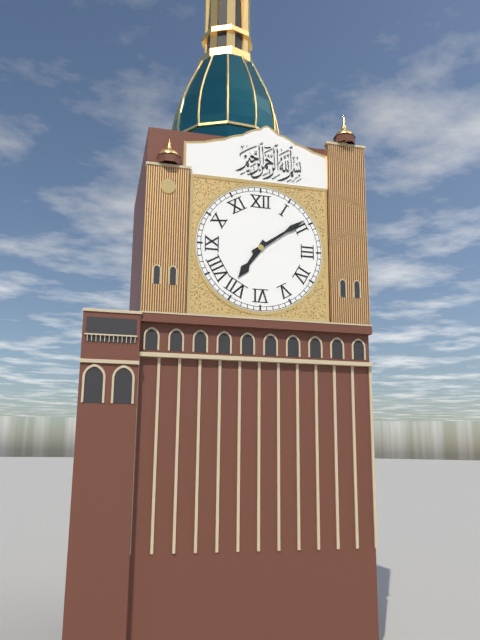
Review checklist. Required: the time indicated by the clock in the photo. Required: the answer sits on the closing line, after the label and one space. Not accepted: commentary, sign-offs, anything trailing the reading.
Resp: 7:09
